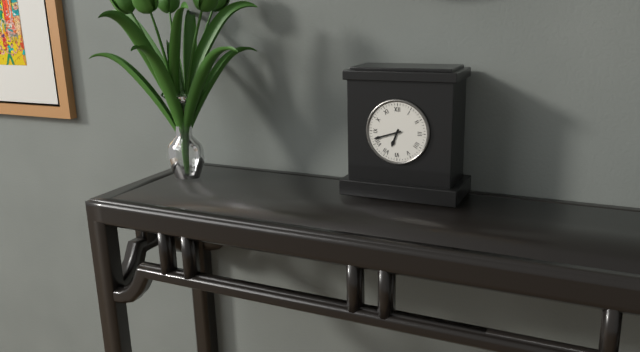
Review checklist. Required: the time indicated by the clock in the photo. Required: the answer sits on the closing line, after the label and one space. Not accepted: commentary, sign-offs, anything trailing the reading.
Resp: 6:42
